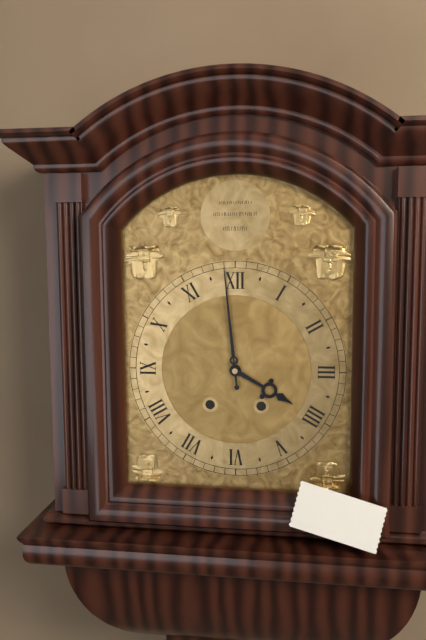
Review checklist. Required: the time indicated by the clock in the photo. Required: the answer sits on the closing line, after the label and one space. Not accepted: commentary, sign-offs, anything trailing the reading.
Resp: 3:59
